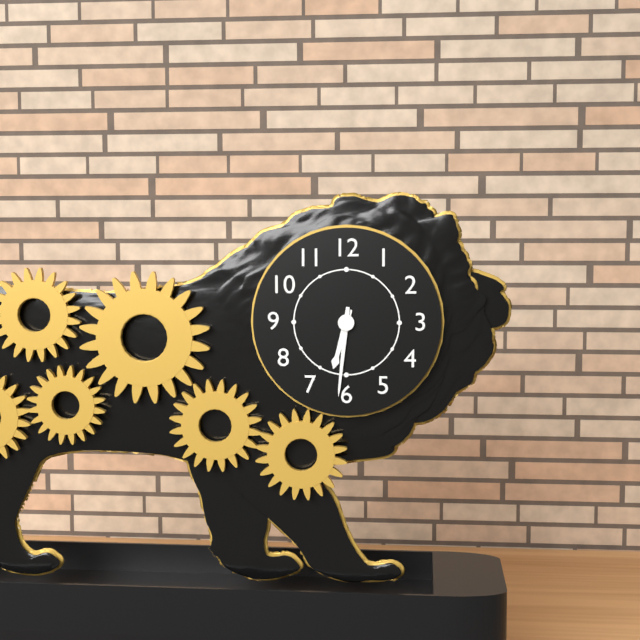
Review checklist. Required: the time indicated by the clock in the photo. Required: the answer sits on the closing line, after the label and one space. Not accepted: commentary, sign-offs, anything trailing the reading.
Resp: 6:31
